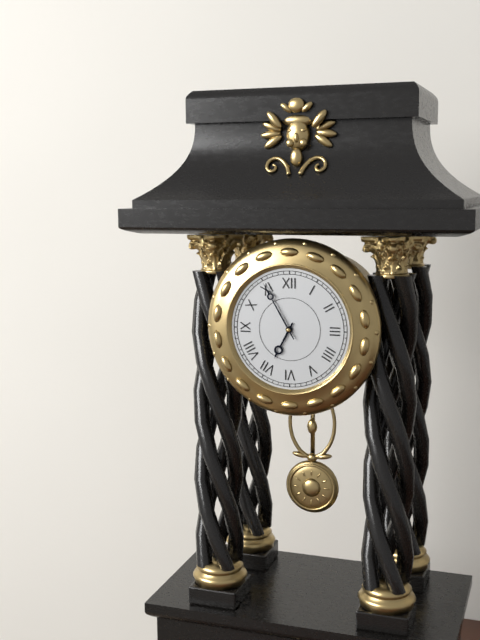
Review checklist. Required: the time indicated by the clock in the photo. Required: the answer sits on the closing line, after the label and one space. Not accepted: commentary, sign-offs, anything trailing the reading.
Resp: 6:55
